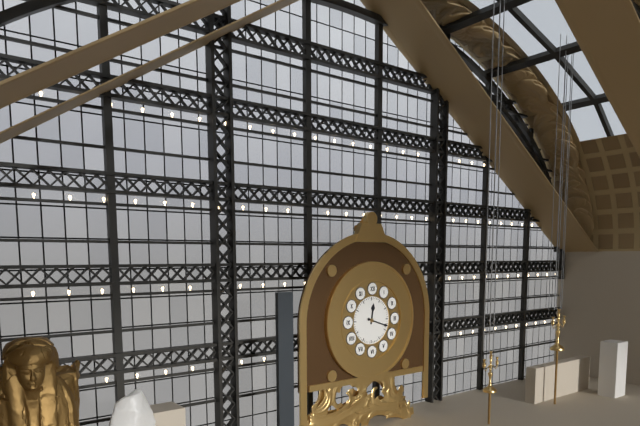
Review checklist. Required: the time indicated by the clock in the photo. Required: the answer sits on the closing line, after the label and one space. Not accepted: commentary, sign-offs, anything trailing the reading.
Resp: 12:18
